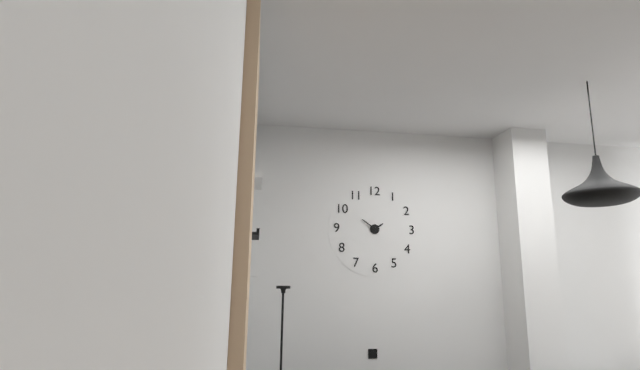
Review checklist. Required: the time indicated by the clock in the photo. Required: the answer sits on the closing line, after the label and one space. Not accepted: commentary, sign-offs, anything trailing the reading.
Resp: 1:51
